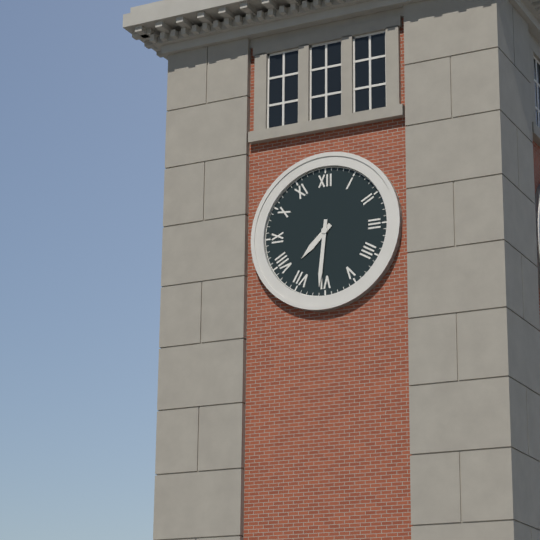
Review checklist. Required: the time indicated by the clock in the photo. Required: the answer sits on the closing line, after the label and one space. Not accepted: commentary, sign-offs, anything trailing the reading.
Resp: 7:31
